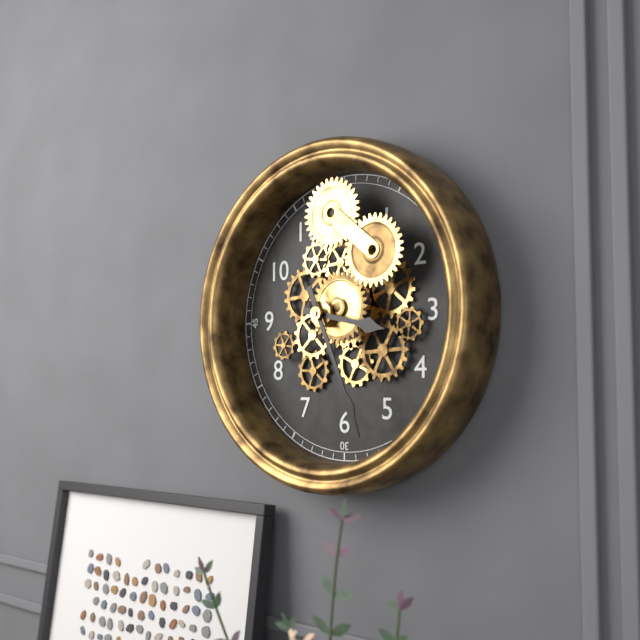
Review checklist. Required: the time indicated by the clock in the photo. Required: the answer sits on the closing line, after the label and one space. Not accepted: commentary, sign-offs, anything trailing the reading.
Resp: 3:26
